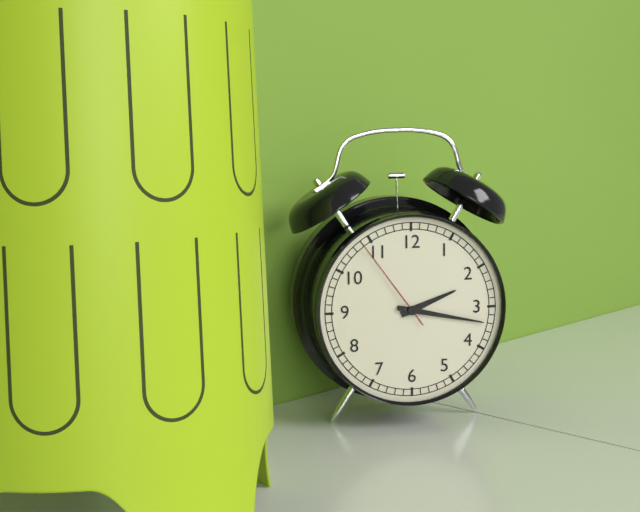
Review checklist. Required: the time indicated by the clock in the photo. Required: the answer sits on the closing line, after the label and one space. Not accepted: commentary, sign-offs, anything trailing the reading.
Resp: 2:17:54
